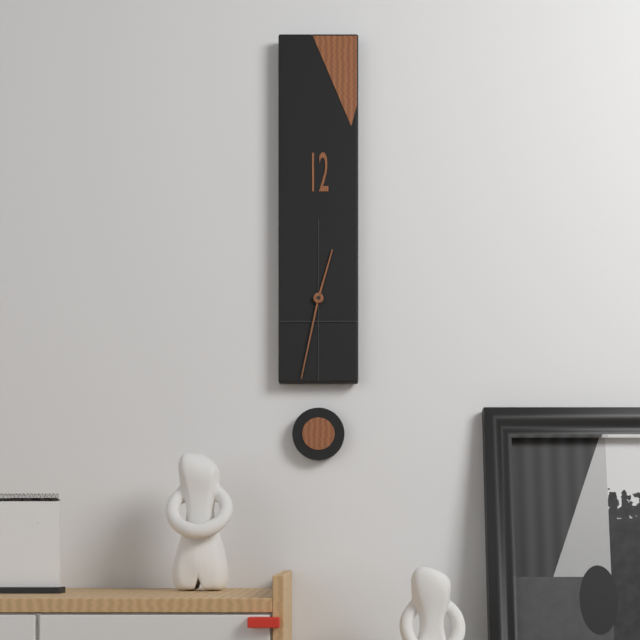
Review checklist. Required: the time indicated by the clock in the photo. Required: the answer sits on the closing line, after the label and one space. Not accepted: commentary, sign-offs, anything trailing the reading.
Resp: 12:32
